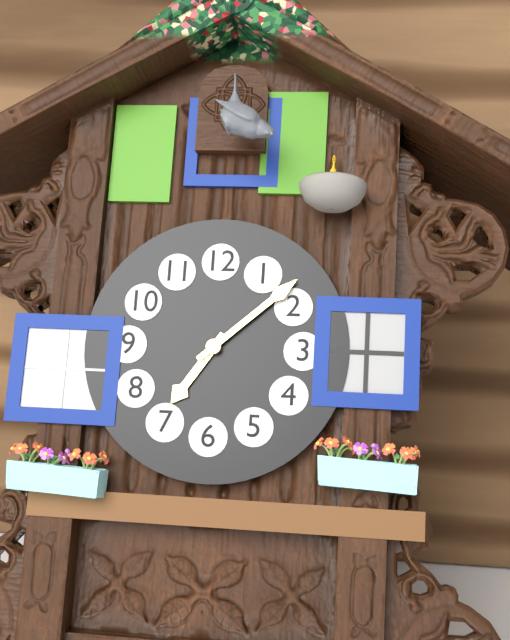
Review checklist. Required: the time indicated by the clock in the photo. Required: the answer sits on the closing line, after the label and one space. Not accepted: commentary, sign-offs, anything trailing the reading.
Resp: 7:08
